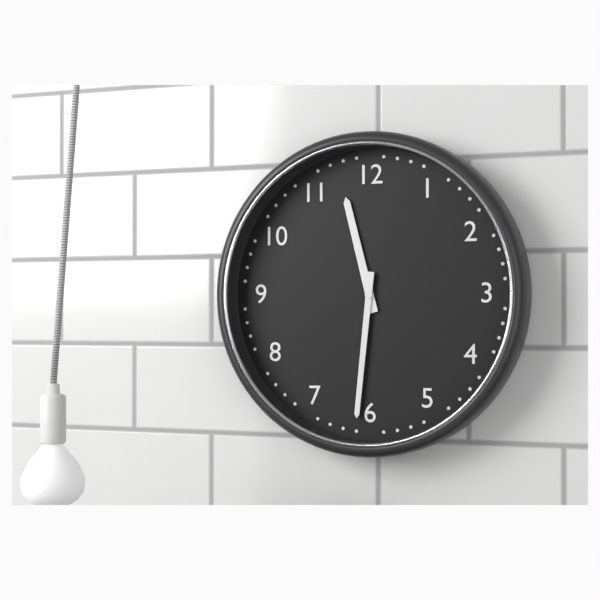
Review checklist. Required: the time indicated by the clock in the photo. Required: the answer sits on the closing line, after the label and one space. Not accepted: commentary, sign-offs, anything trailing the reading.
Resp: 11:31
